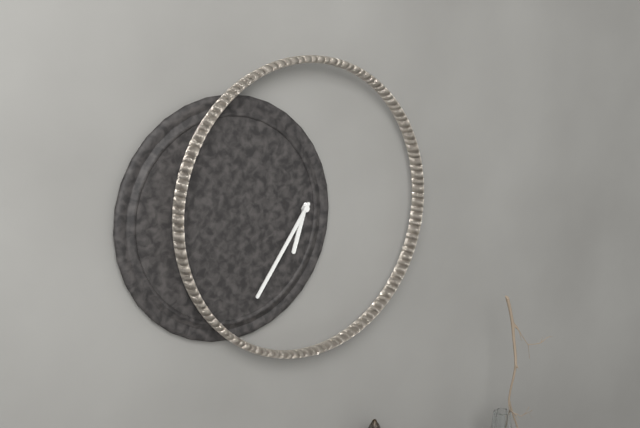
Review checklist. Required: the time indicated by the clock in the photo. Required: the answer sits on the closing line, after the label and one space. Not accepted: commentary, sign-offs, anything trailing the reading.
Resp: 6:36
